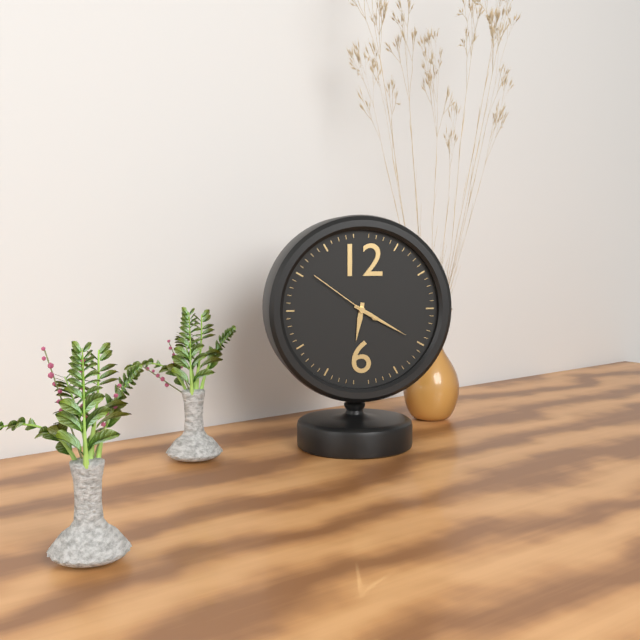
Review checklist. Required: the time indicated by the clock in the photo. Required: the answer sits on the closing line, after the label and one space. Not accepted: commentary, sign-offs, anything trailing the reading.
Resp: 6:20:51
